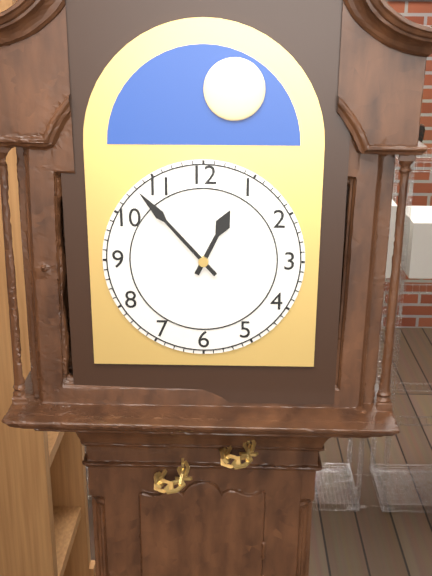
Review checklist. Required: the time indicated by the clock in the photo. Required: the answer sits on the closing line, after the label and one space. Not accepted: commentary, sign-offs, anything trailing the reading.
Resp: 12:53
